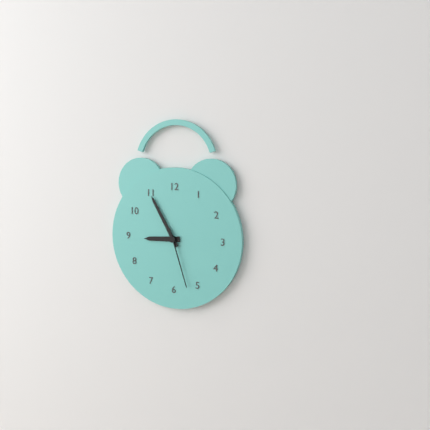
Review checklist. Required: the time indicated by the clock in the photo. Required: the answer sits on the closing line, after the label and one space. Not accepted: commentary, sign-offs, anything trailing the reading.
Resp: 8:55:27
